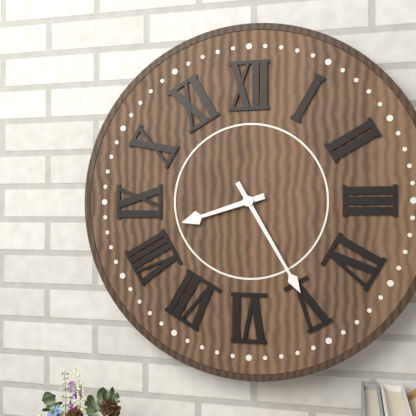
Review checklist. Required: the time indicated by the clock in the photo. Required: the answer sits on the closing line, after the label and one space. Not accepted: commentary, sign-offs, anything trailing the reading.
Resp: 8:25
